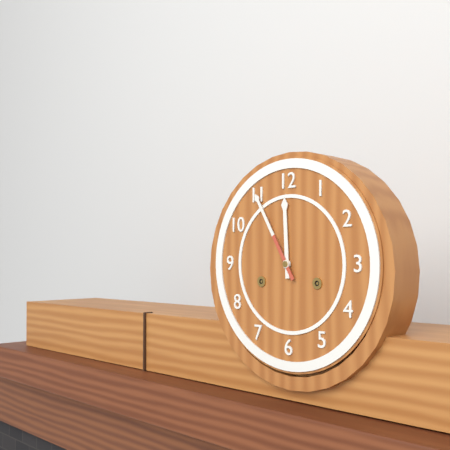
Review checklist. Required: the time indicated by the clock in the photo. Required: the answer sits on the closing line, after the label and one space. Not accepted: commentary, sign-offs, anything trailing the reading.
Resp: 11:55
